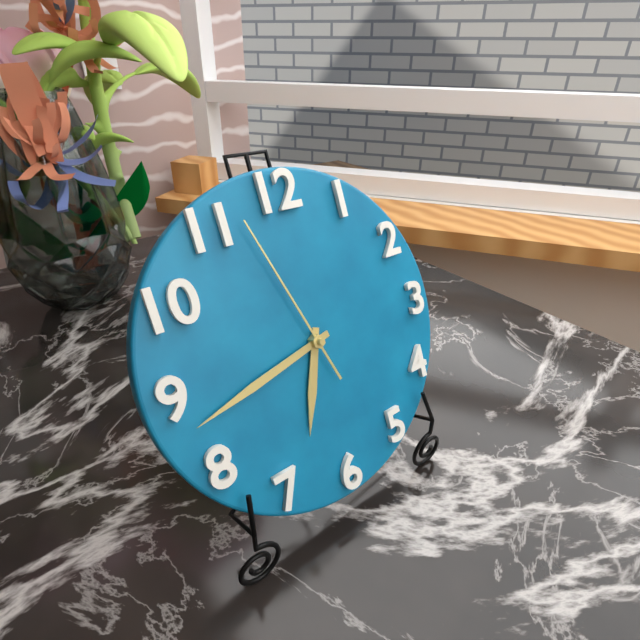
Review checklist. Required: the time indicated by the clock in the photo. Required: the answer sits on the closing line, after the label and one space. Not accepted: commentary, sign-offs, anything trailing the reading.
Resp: 6:43:57
